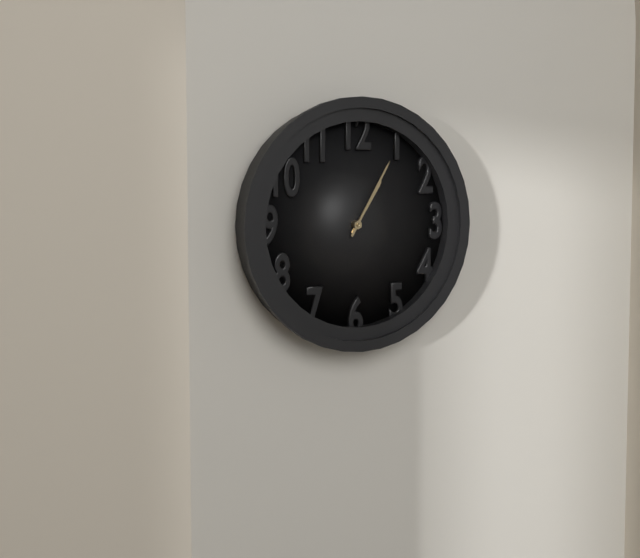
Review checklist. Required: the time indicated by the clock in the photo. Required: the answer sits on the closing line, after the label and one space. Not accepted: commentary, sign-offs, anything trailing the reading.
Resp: 1:05
